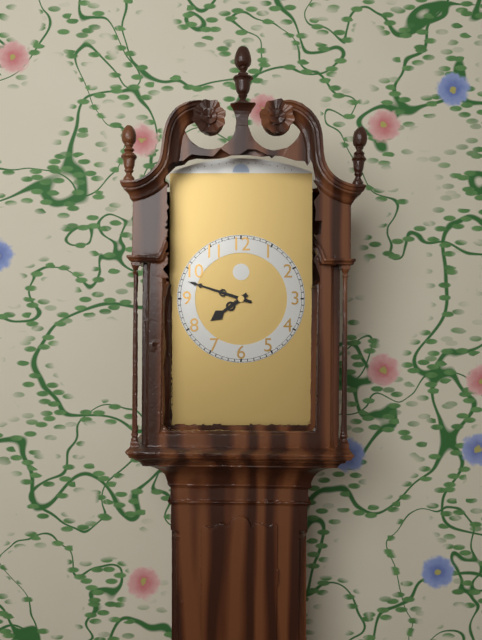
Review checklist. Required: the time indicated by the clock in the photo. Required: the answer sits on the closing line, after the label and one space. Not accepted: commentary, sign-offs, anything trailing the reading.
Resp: 7:48
